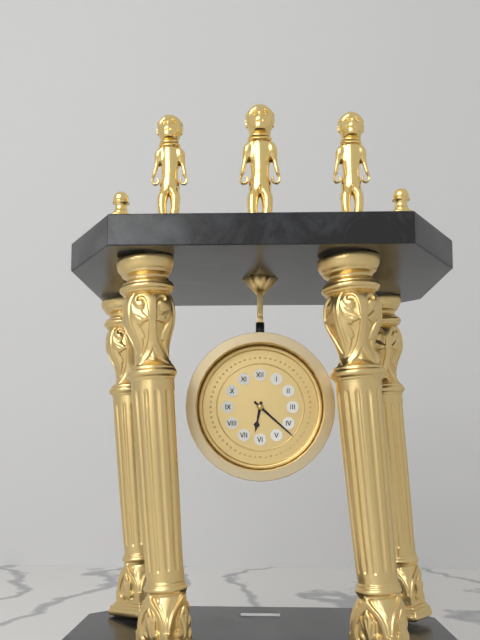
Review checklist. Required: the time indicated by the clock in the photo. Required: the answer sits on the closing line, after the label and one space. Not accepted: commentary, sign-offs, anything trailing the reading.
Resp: 6:22
